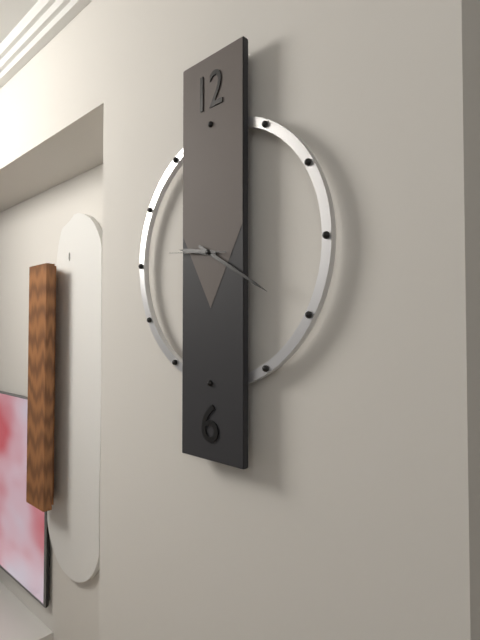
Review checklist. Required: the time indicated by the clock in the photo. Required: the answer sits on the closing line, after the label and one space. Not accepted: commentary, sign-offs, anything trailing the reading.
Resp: 9:20:46
